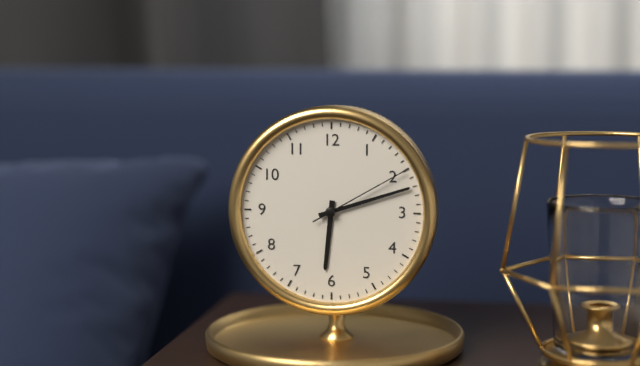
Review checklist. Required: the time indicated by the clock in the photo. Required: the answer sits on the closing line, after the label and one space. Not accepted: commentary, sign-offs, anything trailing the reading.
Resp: 6:12:10
